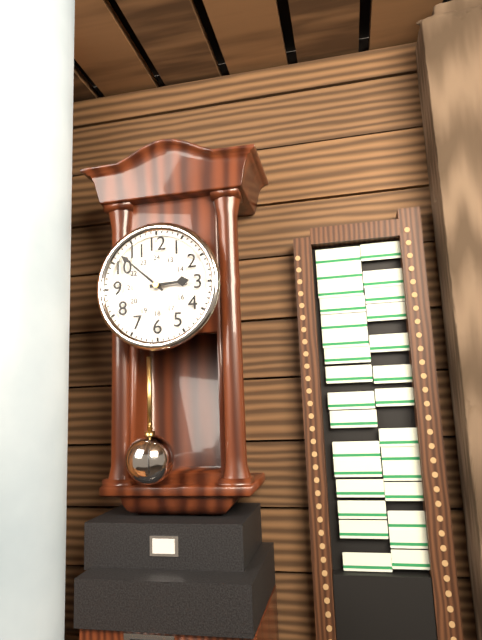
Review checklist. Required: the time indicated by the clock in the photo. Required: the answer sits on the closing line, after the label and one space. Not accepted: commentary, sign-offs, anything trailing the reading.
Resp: 2:52
